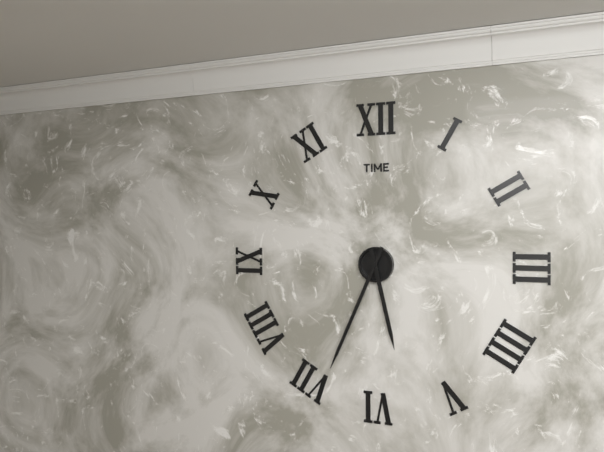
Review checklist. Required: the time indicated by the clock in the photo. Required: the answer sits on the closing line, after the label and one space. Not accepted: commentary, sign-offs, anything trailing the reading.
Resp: 5:34
